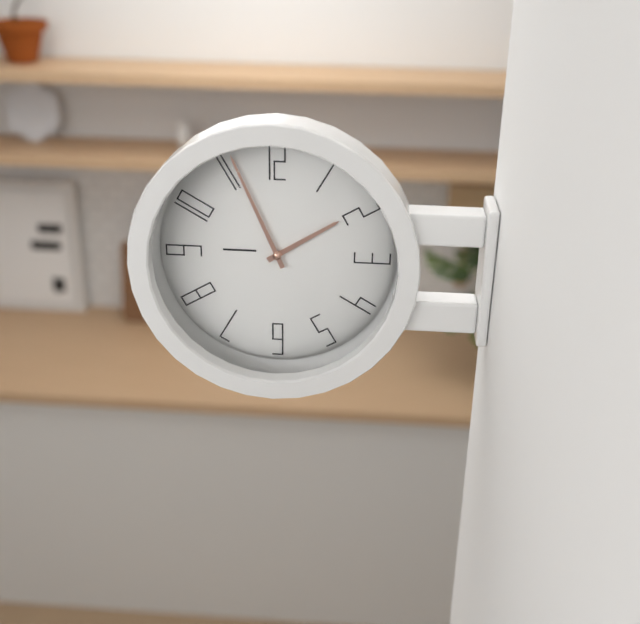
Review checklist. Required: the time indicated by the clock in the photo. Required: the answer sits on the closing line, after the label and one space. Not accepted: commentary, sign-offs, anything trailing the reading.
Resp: 1:56
